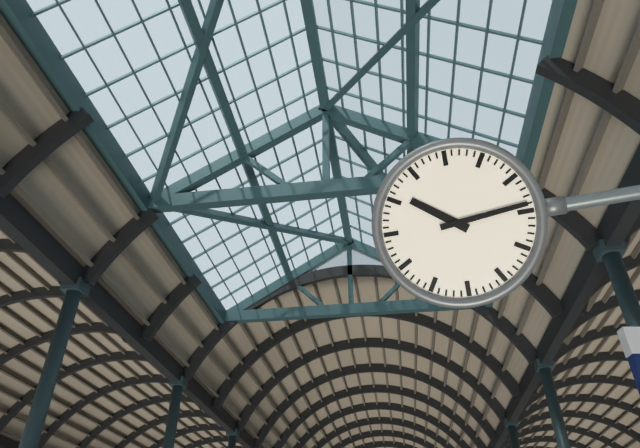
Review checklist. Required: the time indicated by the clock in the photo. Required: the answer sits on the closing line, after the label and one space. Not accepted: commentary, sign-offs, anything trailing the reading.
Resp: 10:14
